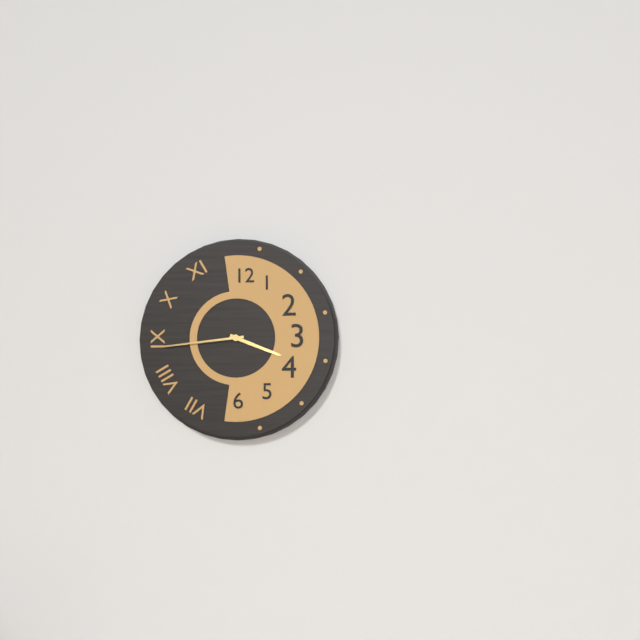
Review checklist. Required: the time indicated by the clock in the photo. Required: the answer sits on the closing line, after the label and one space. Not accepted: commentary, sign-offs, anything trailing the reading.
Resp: 3:44
